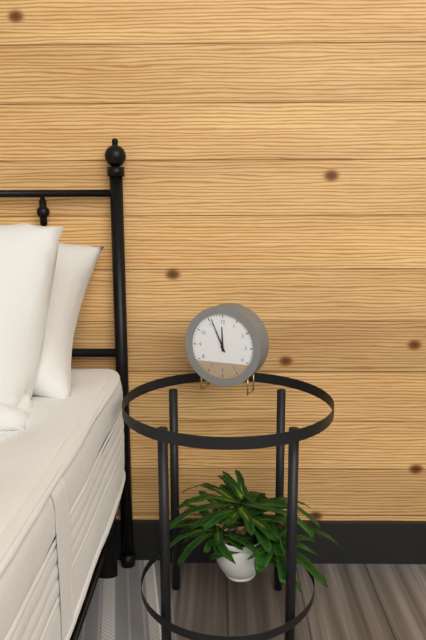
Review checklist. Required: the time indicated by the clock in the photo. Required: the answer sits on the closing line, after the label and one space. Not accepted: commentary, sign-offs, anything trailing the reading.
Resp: 11:56
